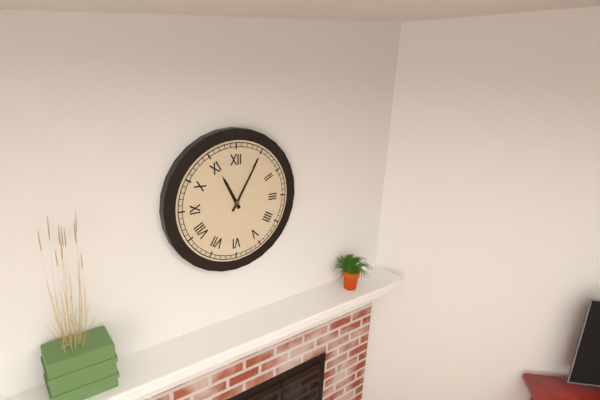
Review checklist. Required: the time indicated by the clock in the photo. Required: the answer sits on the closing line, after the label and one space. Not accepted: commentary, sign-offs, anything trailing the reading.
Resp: 11:05
